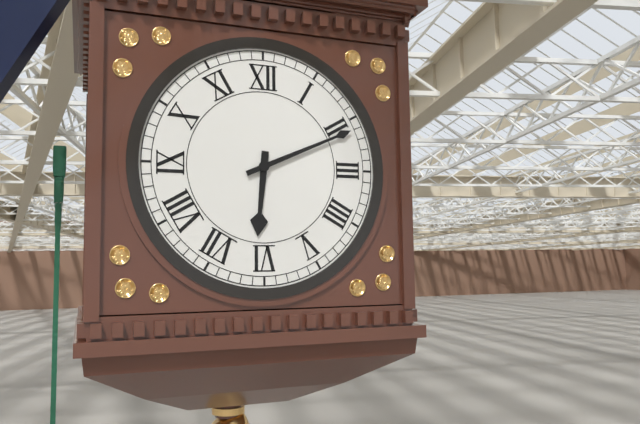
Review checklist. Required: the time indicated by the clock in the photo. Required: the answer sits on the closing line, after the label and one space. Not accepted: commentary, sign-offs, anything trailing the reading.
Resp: 6:11
